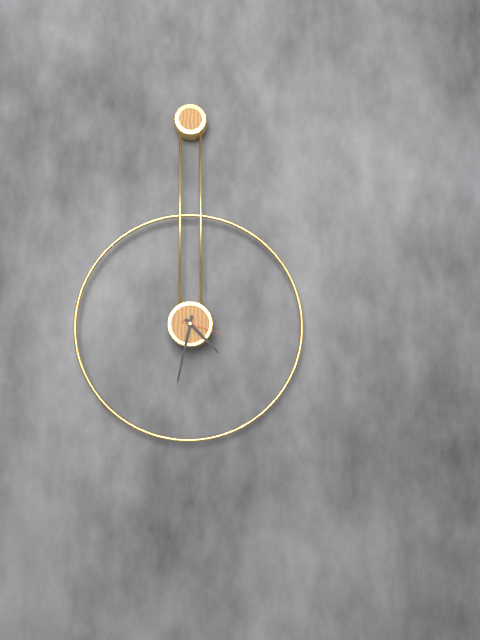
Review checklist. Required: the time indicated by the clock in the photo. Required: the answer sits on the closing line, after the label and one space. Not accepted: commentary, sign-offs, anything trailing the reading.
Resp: 4:32
